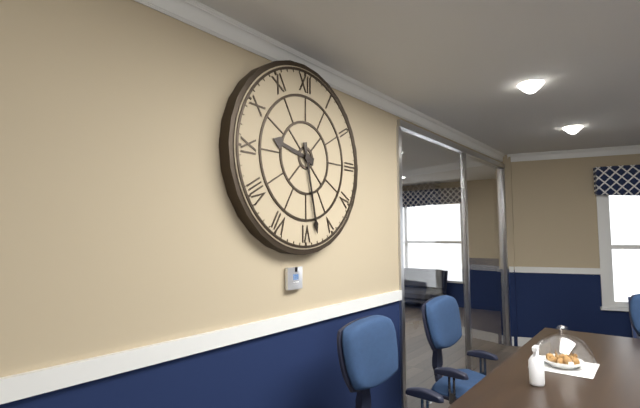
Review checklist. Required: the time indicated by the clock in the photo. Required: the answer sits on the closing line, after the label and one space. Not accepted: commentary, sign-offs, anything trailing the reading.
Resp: 9:28
